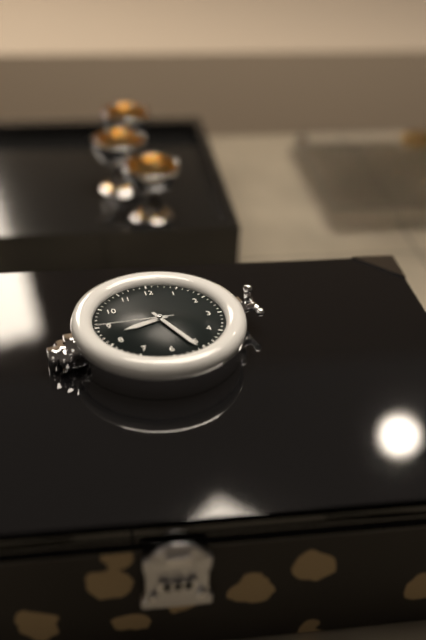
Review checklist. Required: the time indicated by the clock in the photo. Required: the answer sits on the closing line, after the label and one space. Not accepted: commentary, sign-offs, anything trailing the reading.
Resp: 8:26:45
